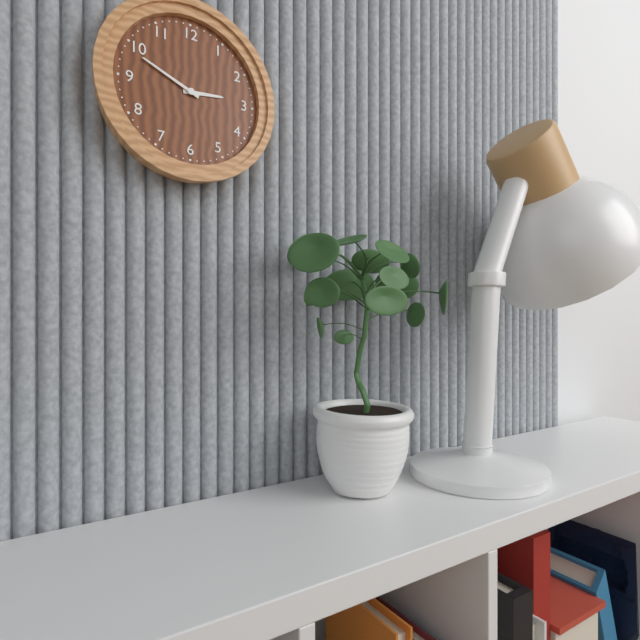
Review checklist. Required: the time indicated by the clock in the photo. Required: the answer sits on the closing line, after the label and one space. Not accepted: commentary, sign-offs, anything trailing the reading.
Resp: 2:49
